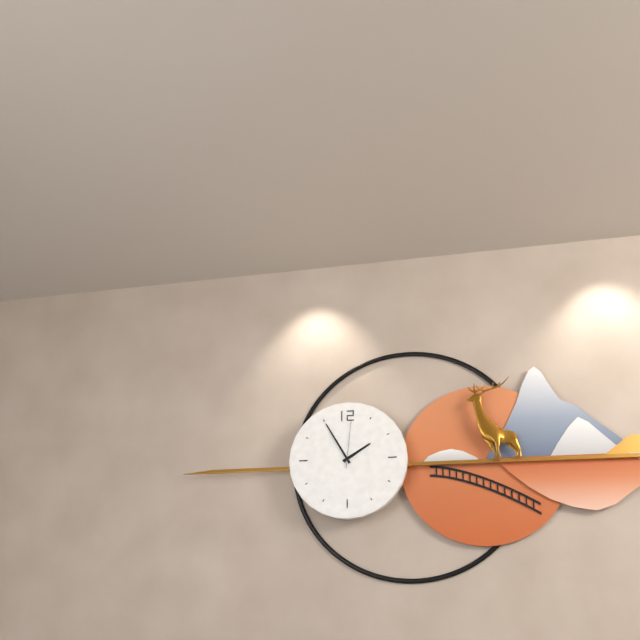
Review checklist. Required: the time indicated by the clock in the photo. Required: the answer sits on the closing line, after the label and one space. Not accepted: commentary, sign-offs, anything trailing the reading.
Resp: 1:55
